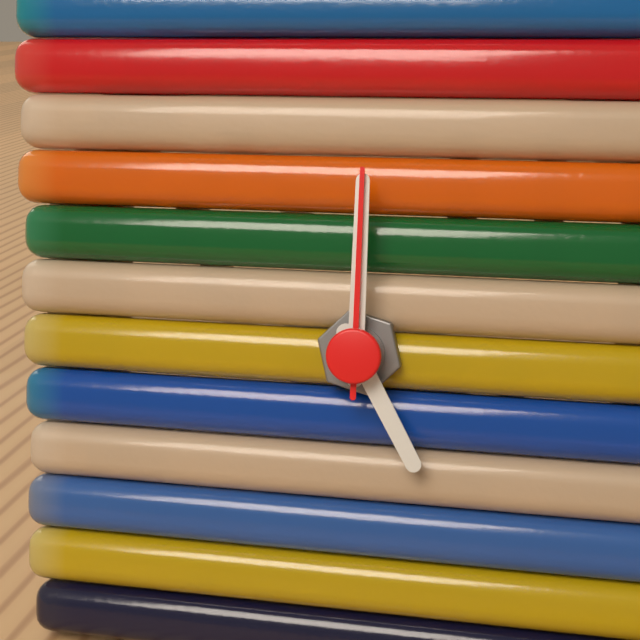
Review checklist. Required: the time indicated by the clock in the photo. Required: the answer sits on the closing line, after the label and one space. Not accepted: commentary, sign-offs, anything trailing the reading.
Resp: 5:00:00
